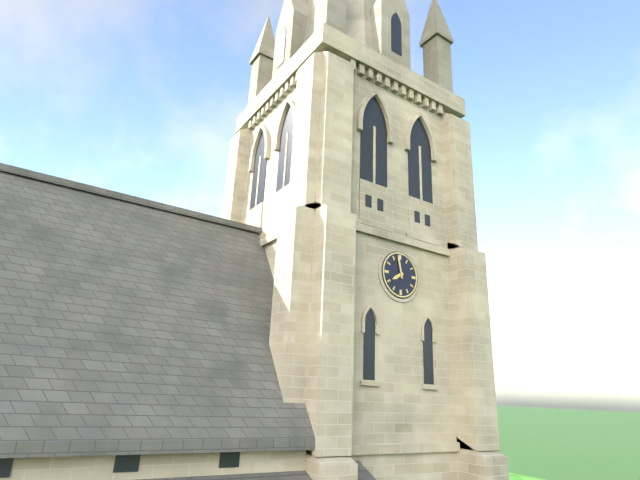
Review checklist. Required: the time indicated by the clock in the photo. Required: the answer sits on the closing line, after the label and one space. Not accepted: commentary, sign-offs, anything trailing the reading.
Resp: 7:58
